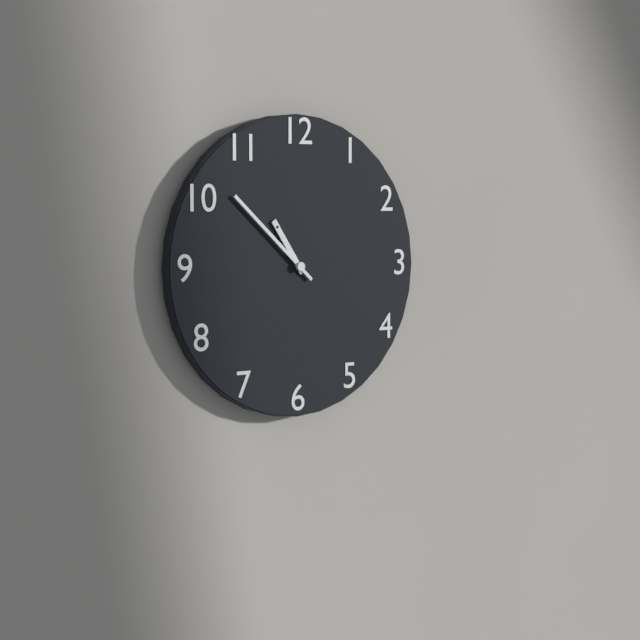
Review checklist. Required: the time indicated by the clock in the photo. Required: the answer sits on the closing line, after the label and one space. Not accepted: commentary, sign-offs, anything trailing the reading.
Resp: 10:52
